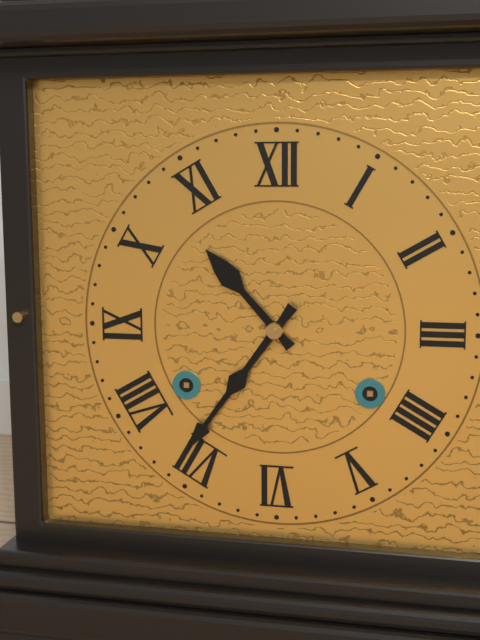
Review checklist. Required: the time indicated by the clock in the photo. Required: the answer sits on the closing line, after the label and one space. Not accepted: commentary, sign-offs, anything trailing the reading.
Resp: 10:36
